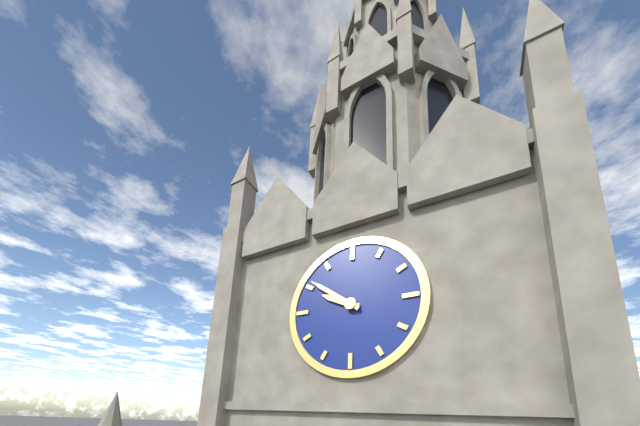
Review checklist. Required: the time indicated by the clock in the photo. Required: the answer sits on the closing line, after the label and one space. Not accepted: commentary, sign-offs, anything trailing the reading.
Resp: 9:51
